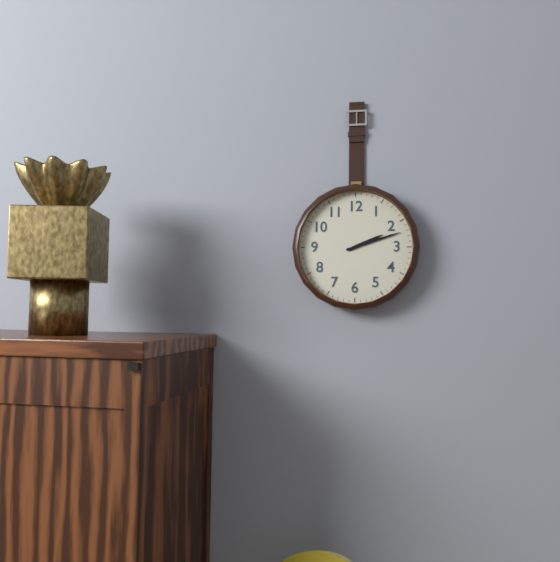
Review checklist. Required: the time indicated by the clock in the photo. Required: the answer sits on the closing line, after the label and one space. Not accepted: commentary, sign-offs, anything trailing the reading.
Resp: 2:12
